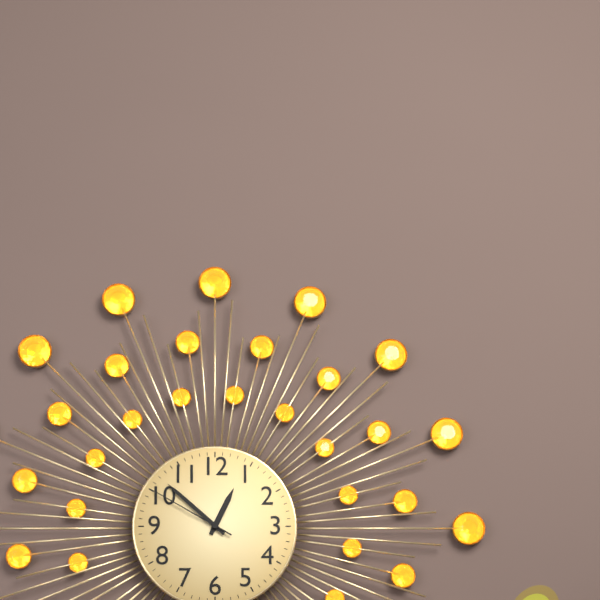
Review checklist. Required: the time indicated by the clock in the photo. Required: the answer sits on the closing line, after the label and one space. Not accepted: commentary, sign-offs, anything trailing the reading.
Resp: 12:52:50
